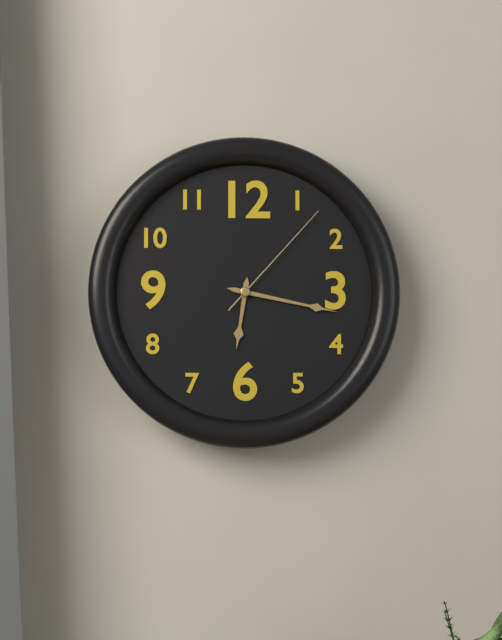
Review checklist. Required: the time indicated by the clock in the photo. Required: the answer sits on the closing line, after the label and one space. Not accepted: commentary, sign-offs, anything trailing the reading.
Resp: 6:17:07
